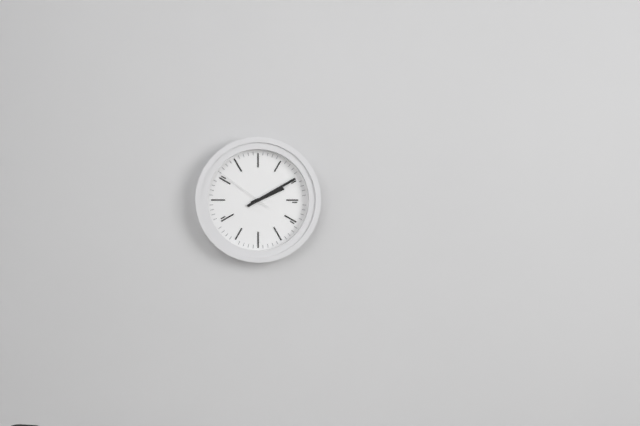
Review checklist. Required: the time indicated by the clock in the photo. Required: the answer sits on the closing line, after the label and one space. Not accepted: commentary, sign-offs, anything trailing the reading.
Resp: 2:10:51
